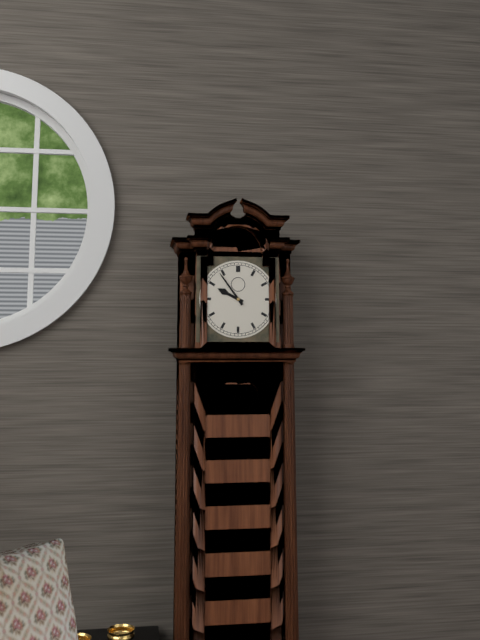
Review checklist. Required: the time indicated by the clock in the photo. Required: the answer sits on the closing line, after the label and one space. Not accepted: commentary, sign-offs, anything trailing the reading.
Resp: 9:54
